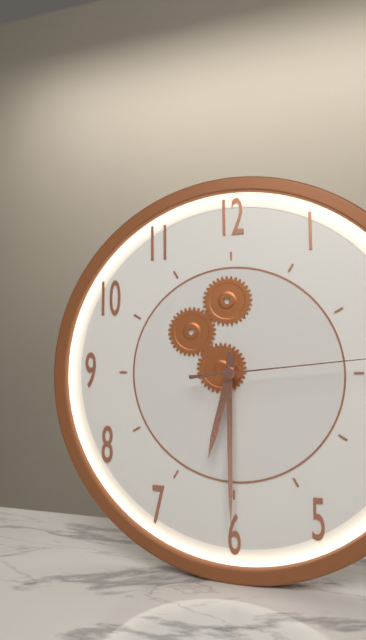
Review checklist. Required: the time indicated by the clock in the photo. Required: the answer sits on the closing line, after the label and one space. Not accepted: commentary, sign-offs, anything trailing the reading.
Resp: 6:30
